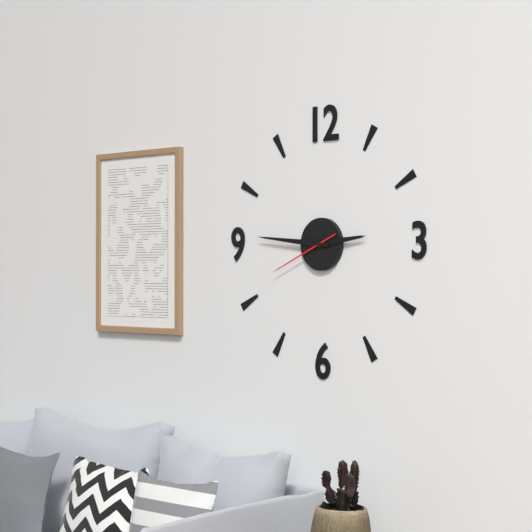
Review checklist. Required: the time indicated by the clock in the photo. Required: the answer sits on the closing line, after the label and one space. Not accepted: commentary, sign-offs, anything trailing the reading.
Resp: 2:46:41
